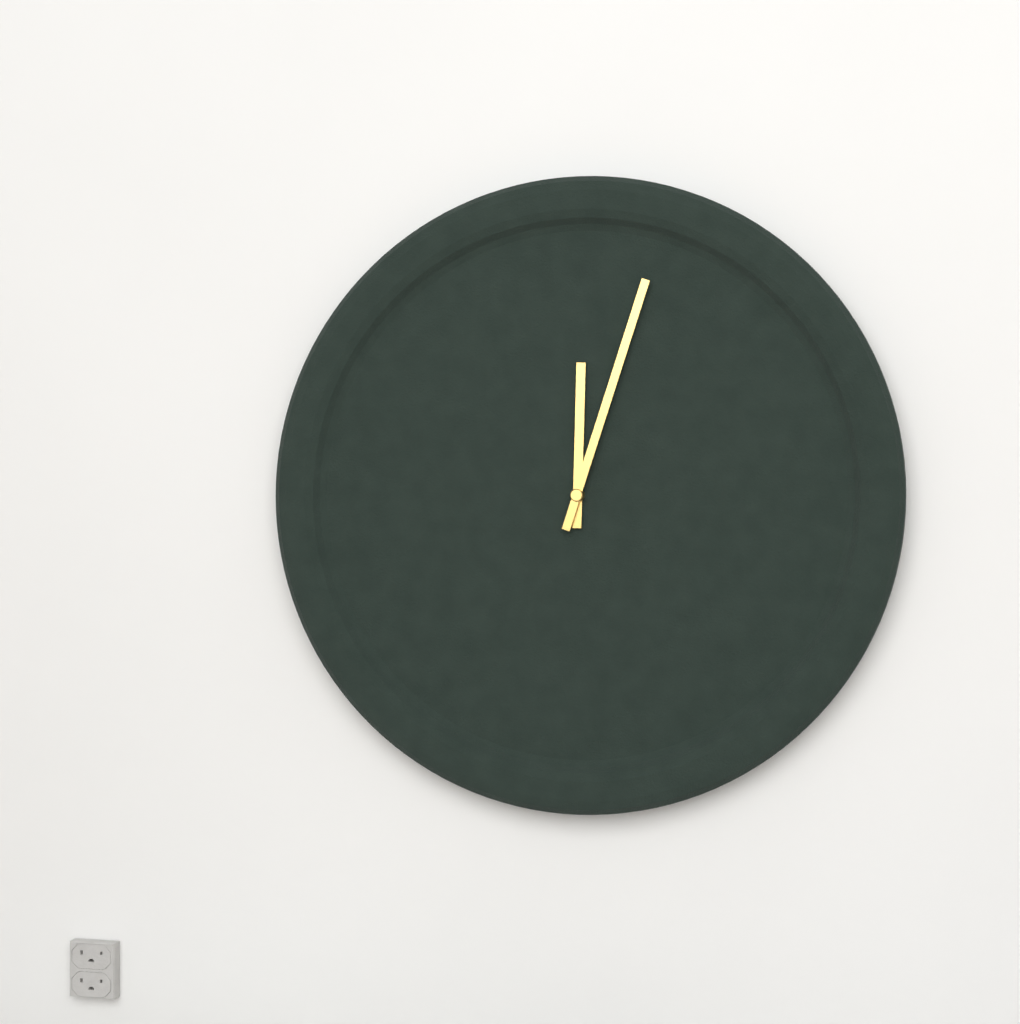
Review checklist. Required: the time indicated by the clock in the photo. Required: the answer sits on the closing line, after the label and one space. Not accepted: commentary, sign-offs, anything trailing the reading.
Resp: 12:03
